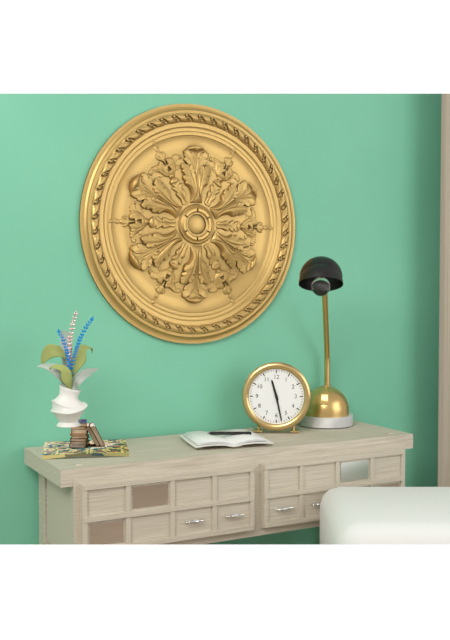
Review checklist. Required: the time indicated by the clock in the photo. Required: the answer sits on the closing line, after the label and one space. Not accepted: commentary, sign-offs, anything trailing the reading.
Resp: 11:28
